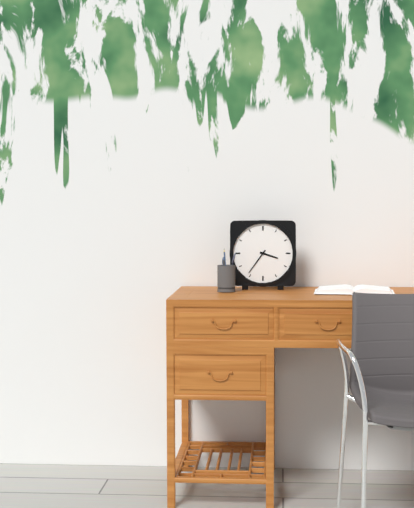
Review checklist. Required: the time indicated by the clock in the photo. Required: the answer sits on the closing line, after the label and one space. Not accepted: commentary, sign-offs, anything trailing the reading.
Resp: 3:36
